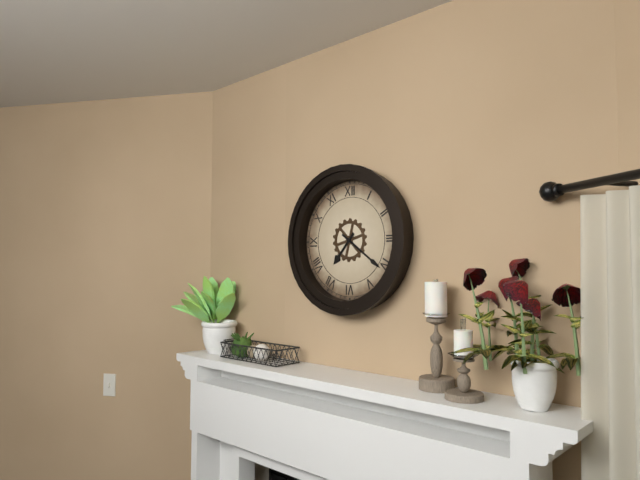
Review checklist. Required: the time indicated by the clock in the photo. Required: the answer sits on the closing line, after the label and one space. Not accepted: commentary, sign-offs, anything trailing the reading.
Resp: 7:21
